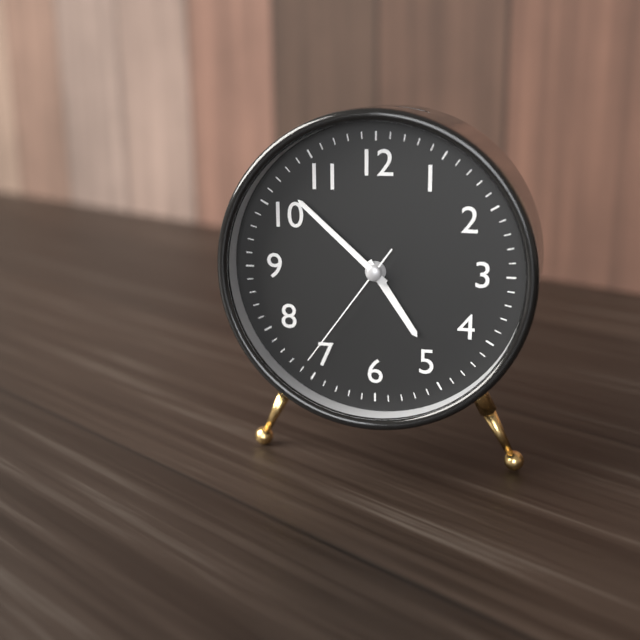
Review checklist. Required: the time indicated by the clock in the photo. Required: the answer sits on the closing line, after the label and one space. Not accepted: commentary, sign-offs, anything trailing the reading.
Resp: 4:52:36
